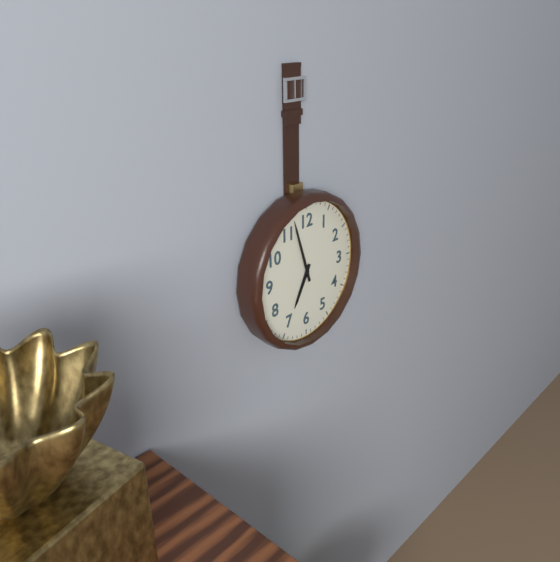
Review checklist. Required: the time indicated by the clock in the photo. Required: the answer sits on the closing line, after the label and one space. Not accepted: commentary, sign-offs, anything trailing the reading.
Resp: 6:57
